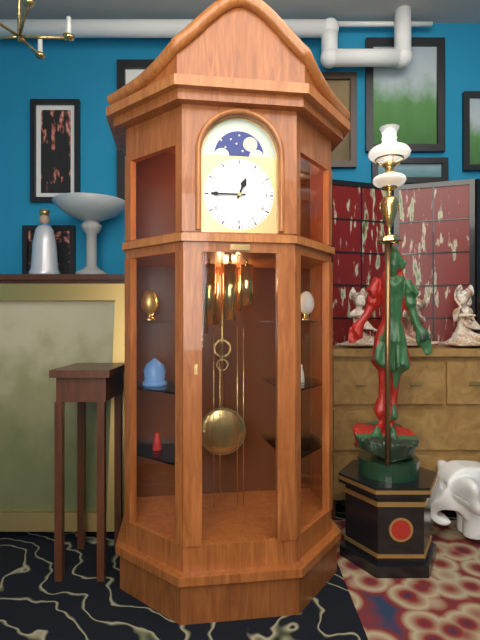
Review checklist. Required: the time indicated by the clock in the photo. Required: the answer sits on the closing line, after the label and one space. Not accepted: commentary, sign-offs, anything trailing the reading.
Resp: 12:45
